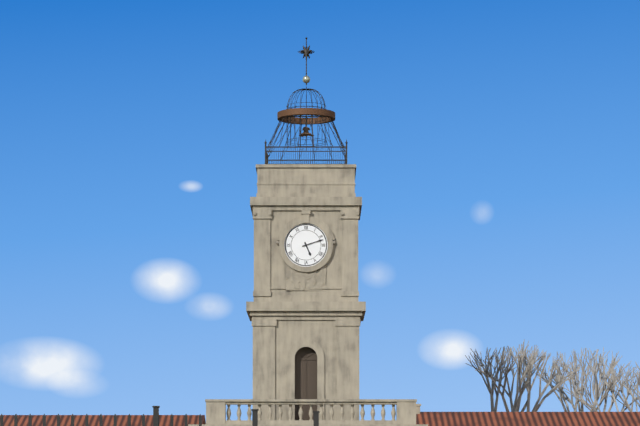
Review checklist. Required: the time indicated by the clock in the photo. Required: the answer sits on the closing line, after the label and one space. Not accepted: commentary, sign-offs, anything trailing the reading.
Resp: 5:12
